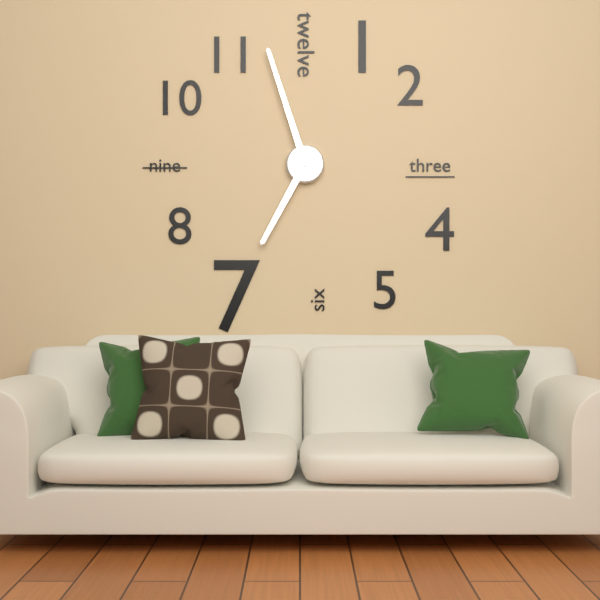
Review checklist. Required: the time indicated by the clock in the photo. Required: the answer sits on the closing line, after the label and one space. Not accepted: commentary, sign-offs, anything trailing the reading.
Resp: 6:57
